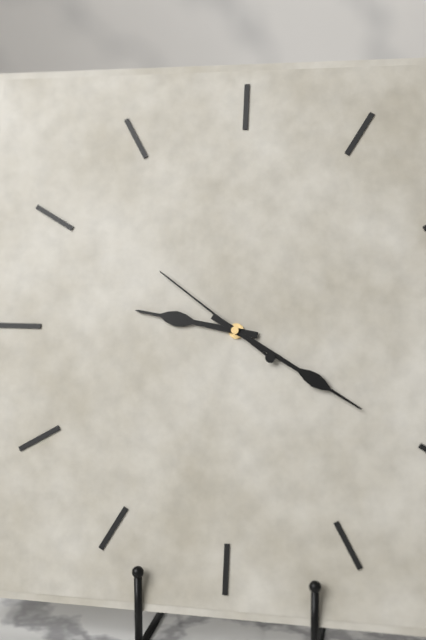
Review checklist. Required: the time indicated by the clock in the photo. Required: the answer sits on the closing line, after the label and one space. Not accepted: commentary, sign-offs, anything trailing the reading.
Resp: 9:20:51
